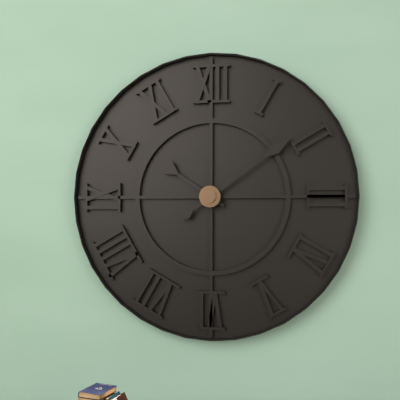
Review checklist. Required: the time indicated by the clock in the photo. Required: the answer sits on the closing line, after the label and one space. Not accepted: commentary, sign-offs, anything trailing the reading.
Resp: 10:09
